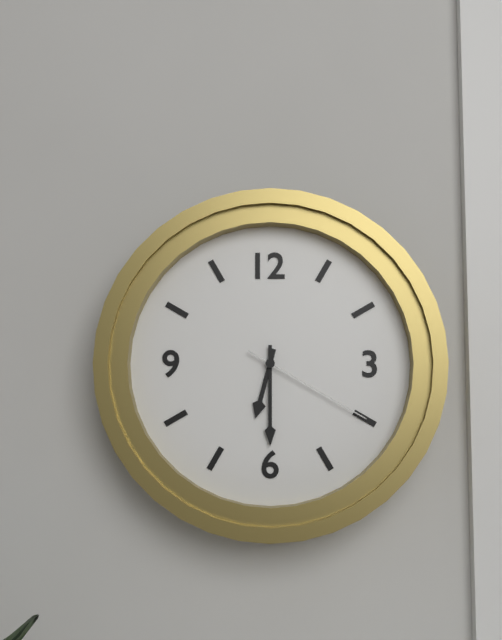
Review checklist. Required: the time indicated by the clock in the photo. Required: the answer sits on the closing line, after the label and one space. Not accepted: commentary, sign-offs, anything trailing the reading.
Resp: 6:30:20
